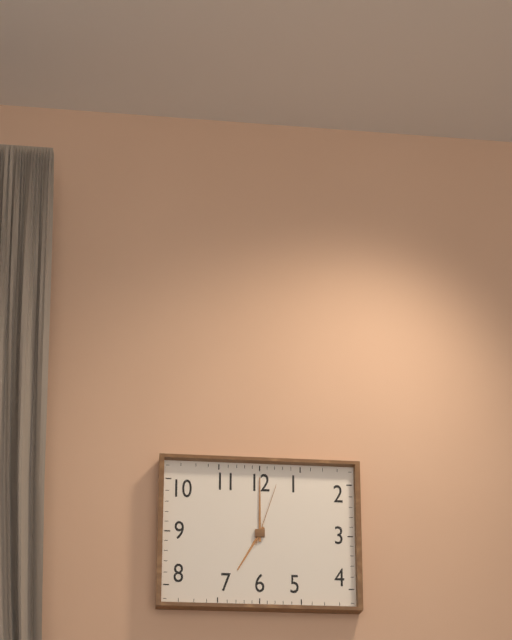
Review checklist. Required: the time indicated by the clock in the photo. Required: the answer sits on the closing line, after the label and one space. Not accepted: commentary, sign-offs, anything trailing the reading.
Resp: 7:00:03
